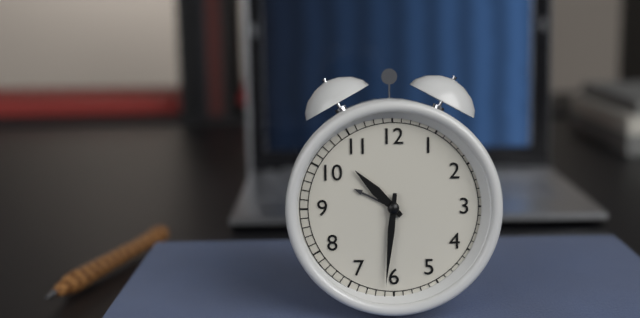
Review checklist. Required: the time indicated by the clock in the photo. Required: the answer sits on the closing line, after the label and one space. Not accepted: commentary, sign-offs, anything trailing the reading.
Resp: 10:31
